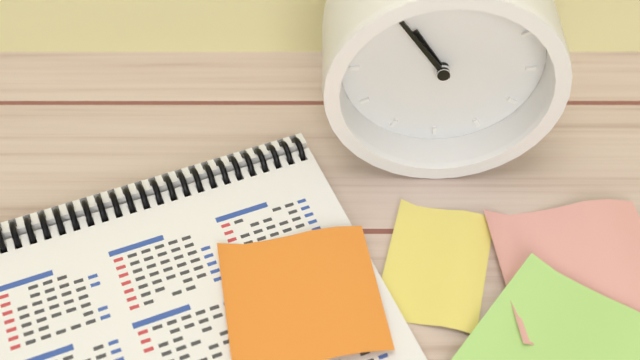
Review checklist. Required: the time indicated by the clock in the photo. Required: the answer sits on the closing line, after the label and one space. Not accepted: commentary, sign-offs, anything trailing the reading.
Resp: 10:54
